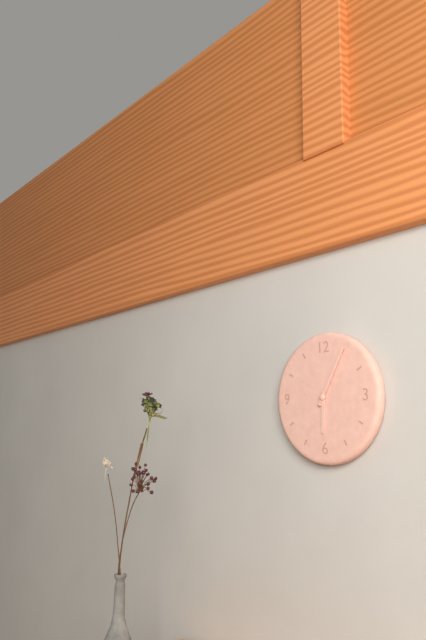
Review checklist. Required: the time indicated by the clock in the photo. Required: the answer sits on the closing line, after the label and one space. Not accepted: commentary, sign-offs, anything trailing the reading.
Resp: 6:05
